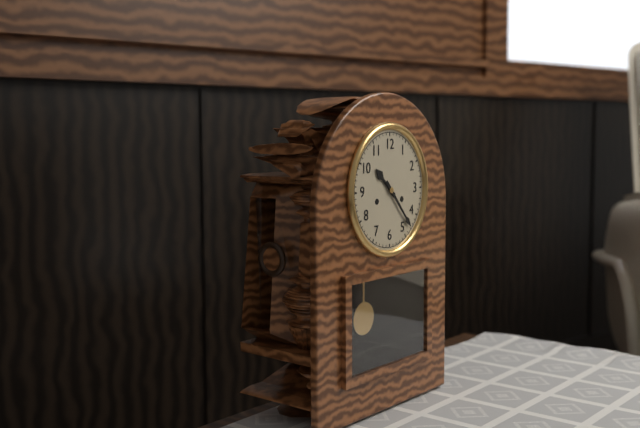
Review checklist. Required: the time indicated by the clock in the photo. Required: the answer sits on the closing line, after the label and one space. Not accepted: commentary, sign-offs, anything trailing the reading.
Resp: 10:23
